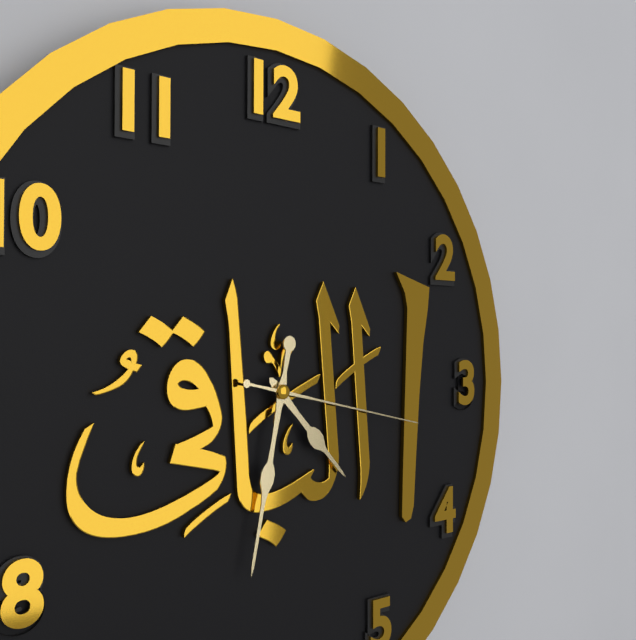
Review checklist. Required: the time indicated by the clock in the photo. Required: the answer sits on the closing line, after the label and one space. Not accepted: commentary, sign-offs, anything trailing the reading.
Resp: 4:32:17
